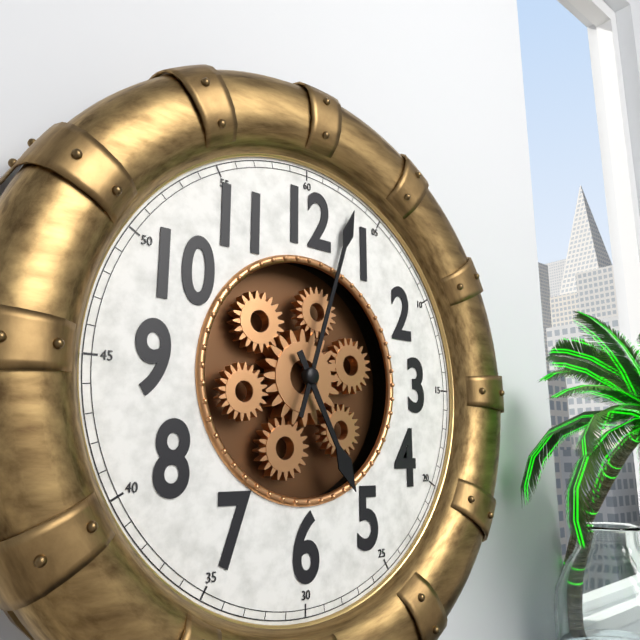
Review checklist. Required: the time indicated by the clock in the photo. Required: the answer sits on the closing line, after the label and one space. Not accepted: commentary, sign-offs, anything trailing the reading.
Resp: 5:03
